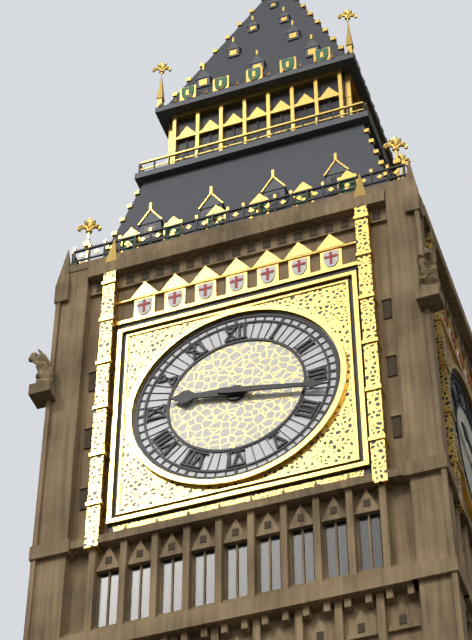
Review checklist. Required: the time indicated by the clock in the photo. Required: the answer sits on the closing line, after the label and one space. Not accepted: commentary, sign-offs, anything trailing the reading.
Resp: 9:17
